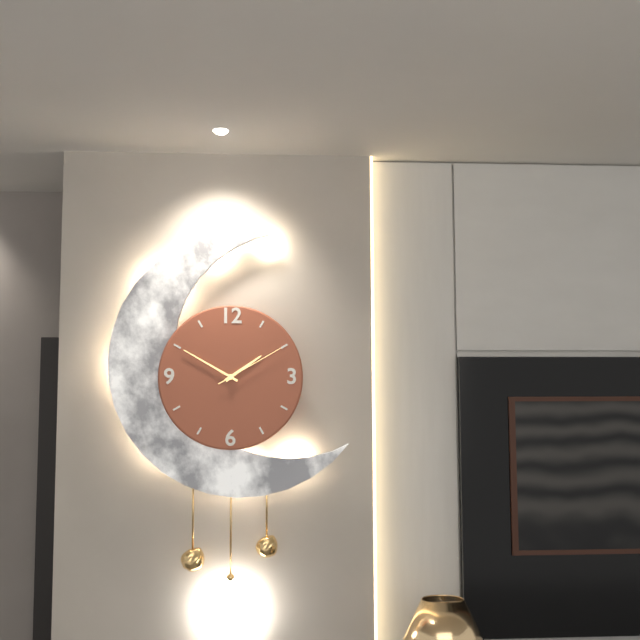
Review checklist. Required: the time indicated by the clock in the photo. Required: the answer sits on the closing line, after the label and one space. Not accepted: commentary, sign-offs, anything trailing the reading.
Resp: 1:50:10
